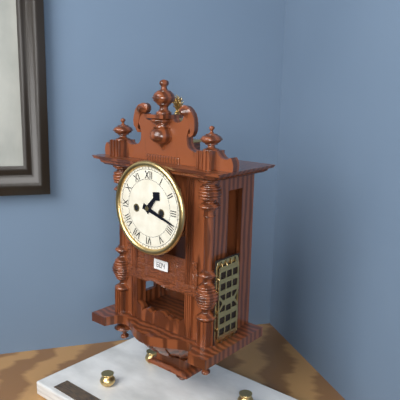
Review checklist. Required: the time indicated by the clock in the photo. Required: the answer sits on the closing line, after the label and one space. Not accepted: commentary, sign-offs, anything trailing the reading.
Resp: 1:18
